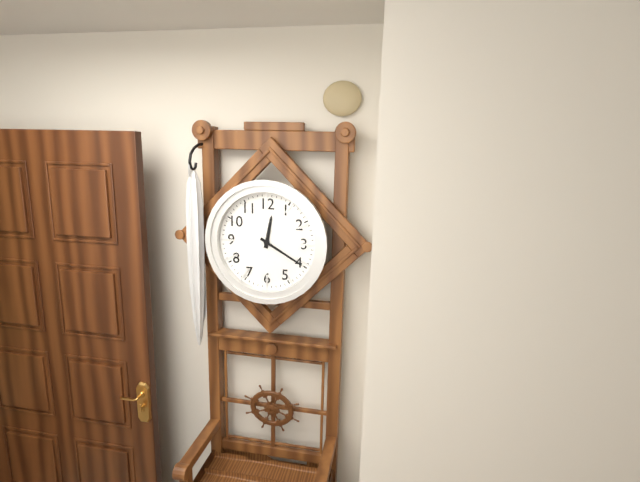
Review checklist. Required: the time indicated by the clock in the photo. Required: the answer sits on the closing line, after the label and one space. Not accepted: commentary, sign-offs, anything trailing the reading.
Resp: 12:20
